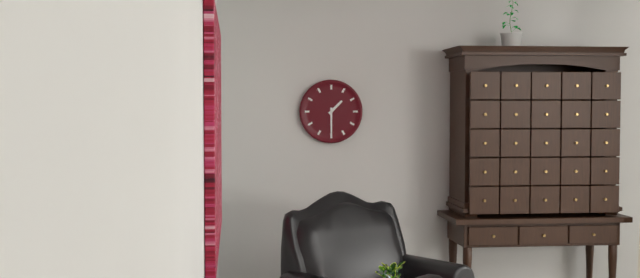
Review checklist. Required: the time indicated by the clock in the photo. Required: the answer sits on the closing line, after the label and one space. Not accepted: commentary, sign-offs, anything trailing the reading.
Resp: 1:30
